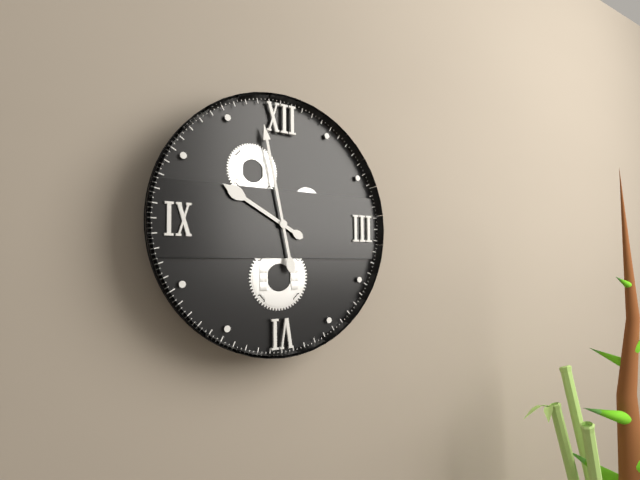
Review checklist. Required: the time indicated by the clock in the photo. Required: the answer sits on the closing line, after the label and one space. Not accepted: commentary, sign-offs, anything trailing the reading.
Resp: 9:58
